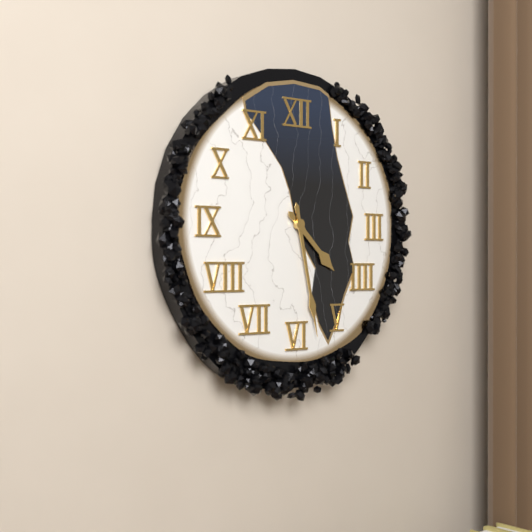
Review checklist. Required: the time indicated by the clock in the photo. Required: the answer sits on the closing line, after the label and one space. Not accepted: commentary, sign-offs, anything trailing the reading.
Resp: 4:28
